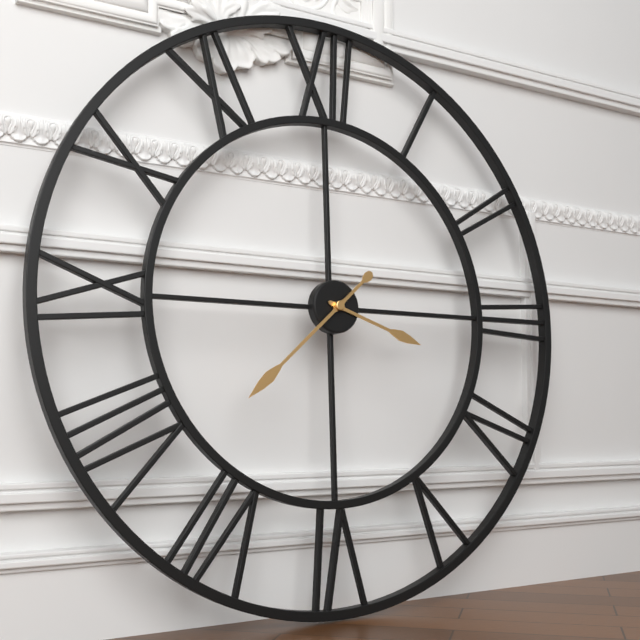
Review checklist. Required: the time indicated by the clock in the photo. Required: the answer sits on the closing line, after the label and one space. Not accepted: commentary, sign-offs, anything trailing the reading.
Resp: 3:38
